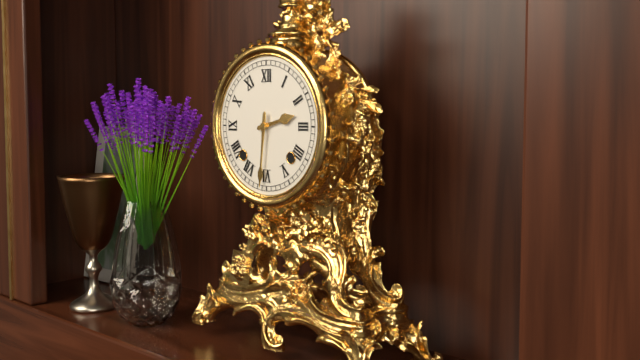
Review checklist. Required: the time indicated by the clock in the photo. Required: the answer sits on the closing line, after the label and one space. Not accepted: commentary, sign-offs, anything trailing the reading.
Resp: 2:31
